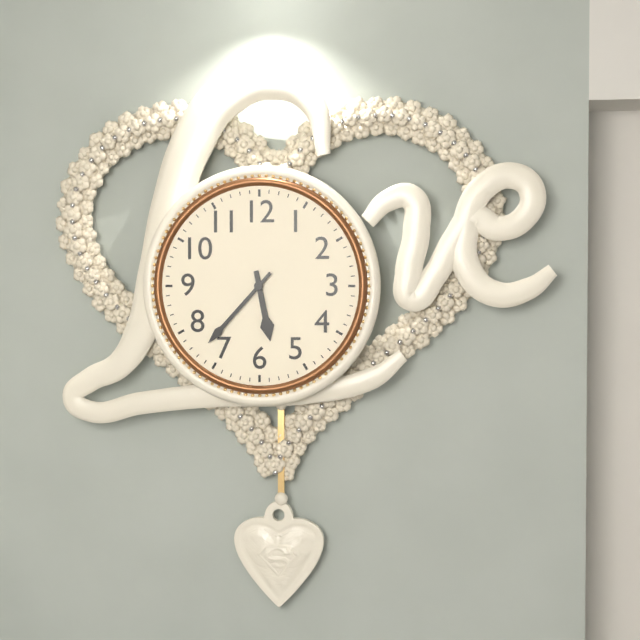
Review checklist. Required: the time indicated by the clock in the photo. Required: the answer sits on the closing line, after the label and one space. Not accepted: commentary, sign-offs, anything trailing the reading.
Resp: 5:37
